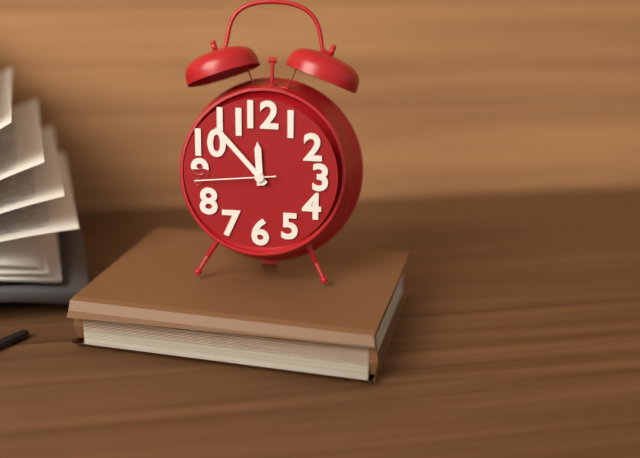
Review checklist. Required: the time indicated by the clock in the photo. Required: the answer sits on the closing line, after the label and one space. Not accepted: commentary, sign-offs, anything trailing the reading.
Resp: 11:53:44
